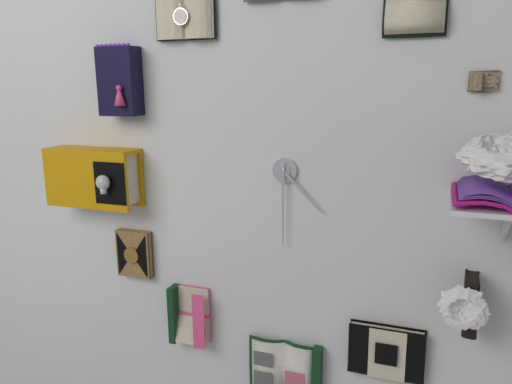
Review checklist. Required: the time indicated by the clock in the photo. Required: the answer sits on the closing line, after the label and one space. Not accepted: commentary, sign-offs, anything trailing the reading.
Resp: 4:30
